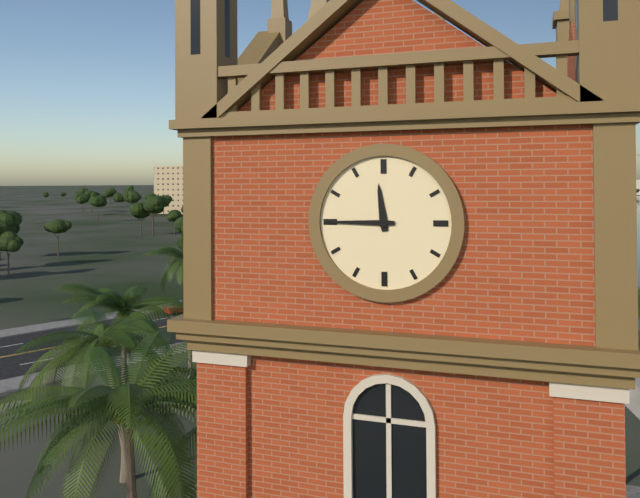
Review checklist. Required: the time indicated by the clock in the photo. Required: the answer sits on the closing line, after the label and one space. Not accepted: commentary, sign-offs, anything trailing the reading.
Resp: 11:45
